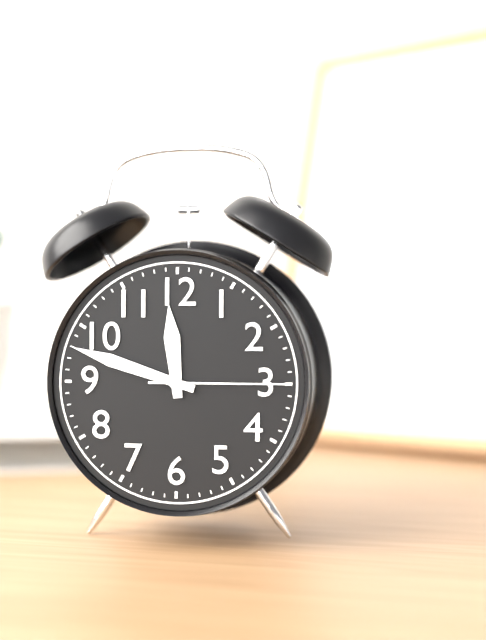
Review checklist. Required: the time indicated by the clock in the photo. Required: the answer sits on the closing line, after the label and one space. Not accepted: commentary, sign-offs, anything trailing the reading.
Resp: 11:48:15
